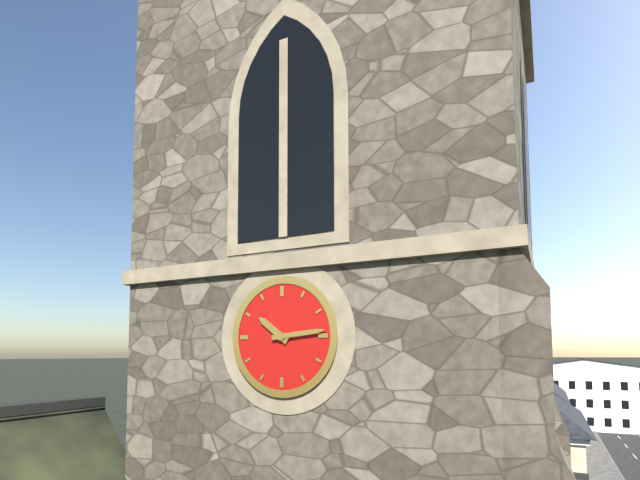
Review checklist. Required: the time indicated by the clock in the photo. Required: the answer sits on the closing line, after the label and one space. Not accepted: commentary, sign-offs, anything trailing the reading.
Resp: 10:14
